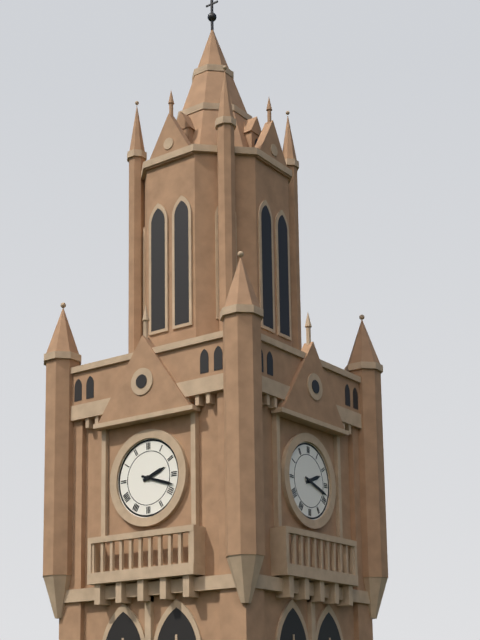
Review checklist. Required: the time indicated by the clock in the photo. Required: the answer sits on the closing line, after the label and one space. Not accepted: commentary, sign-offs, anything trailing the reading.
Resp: 2:18
